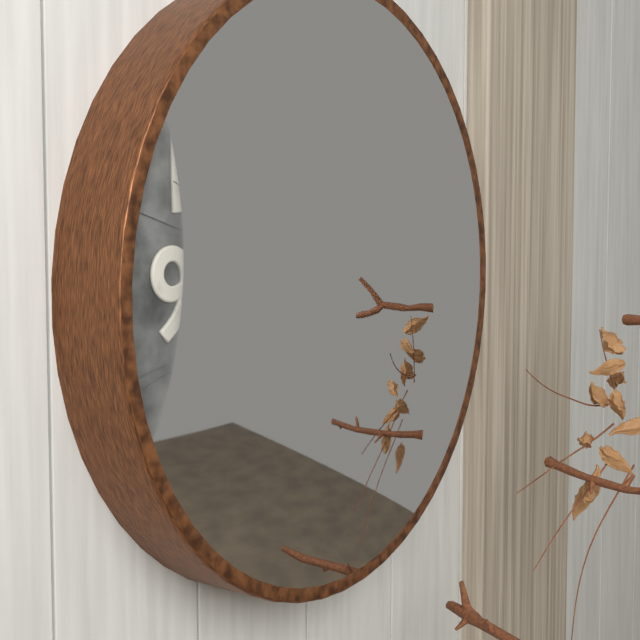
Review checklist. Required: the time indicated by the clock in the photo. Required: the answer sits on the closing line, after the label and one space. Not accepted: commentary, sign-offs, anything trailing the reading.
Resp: 2:49
